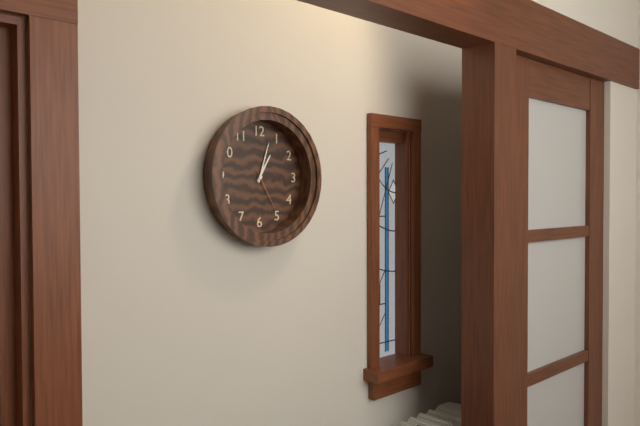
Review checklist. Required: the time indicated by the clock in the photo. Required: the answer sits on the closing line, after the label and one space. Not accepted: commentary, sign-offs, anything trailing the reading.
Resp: 1:03
